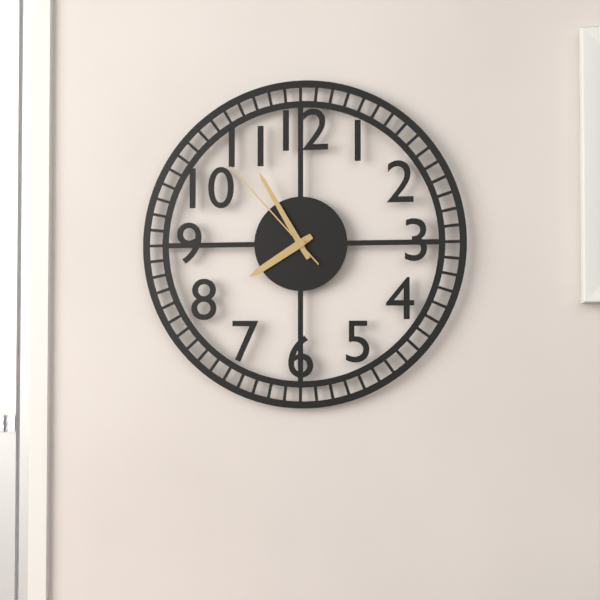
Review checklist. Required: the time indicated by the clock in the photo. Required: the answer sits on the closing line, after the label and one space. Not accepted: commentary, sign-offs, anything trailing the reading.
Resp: 7:55:53
